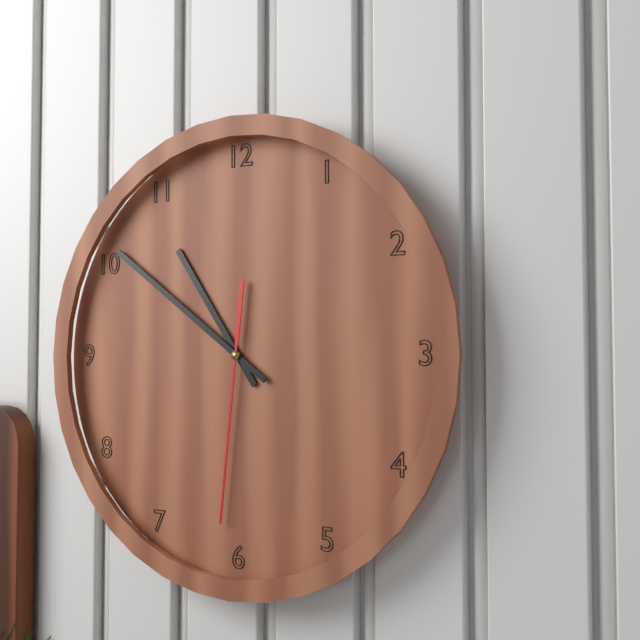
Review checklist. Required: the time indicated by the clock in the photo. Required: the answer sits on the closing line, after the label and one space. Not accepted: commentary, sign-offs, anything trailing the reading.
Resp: 10:51:31
